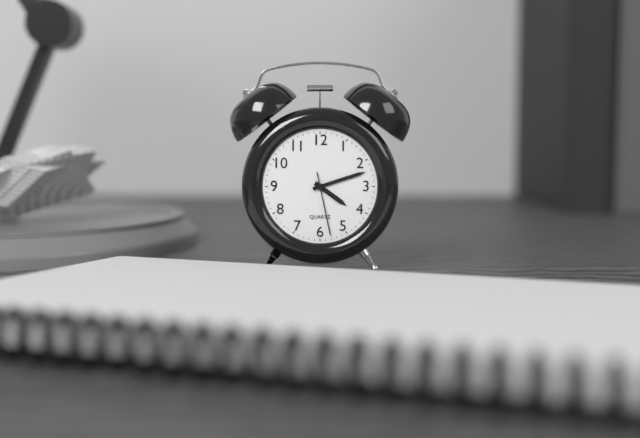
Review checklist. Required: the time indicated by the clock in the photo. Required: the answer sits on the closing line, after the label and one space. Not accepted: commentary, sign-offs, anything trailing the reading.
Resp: 4:12:28
